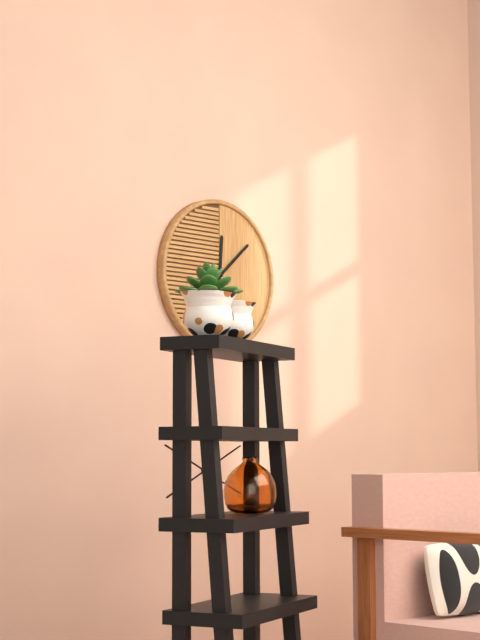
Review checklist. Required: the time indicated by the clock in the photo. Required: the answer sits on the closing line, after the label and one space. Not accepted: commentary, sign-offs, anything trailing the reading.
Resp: 12:08
